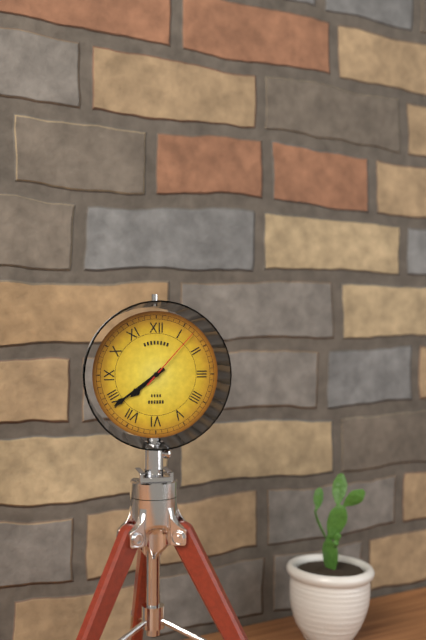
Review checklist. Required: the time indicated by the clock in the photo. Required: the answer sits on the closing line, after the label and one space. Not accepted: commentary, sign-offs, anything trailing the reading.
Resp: 7:39:07
